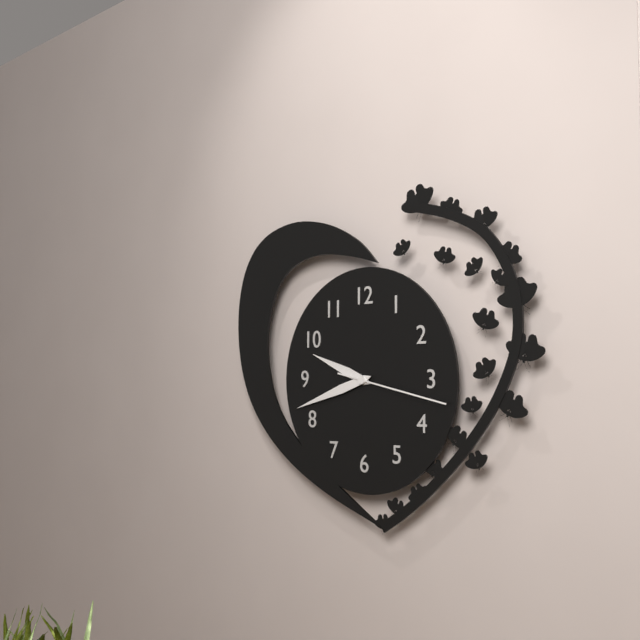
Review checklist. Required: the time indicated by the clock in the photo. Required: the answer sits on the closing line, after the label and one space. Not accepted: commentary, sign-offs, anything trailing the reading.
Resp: 9:42:17
